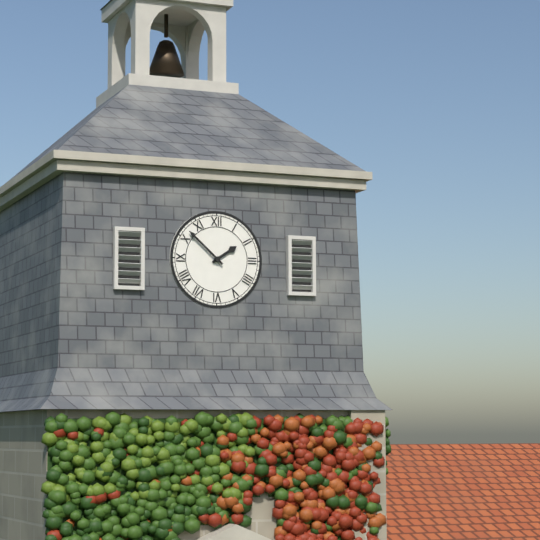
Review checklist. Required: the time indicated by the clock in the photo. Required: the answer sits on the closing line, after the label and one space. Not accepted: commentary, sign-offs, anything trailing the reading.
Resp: 1:52
